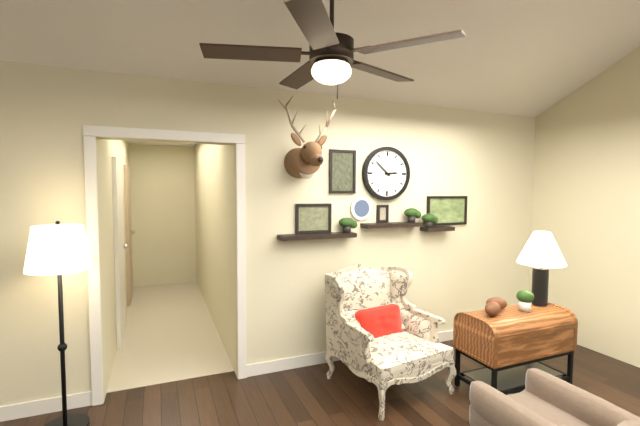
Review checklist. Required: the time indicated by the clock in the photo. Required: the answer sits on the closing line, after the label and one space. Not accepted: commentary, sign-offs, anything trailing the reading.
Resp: 2:52
